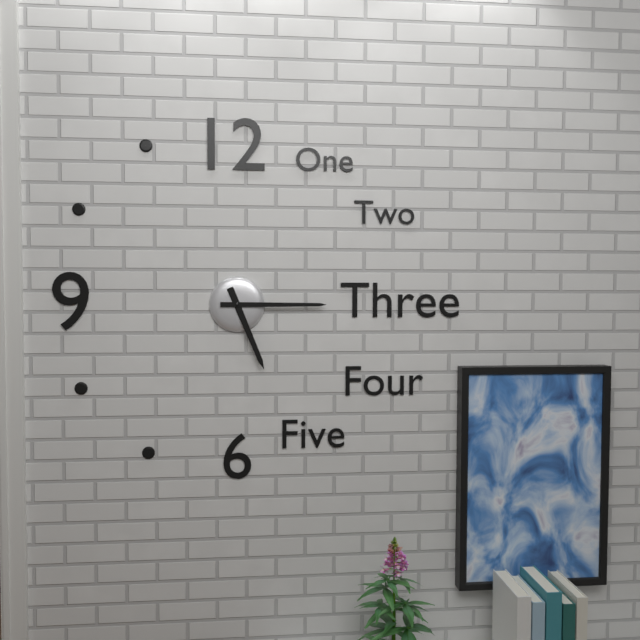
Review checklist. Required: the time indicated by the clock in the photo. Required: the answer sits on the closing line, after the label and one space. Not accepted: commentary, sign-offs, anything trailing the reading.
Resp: 5:15
